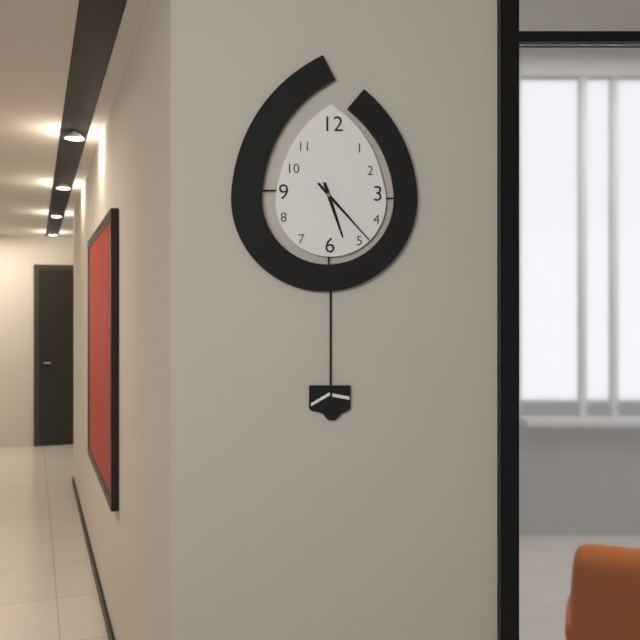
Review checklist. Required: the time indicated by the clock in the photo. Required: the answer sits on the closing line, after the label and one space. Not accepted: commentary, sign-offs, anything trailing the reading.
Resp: 5:23
